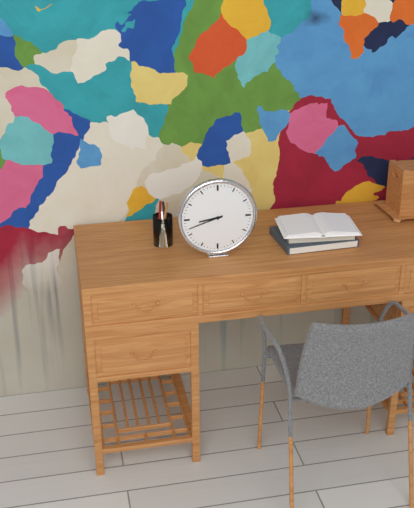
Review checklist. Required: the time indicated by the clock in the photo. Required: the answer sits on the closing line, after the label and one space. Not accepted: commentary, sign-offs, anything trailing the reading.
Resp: 8:42
